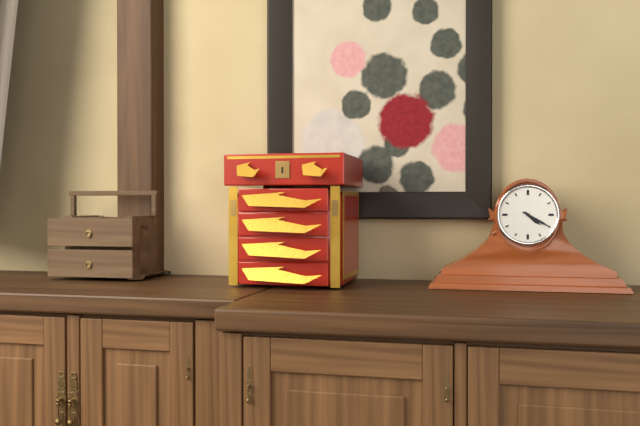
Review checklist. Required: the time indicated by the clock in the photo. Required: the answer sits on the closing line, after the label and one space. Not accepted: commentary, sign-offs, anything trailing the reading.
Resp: 4:20
